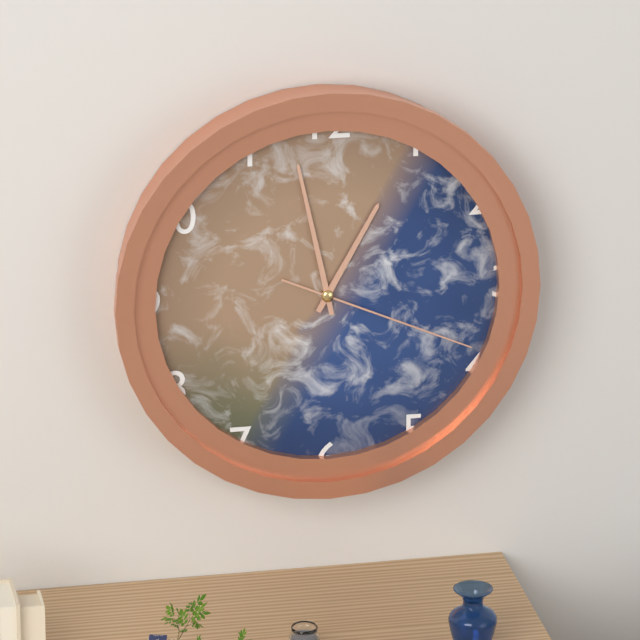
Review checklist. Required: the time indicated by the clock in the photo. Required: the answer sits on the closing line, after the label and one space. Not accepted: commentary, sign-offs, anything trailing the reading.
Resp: 12:58:19
